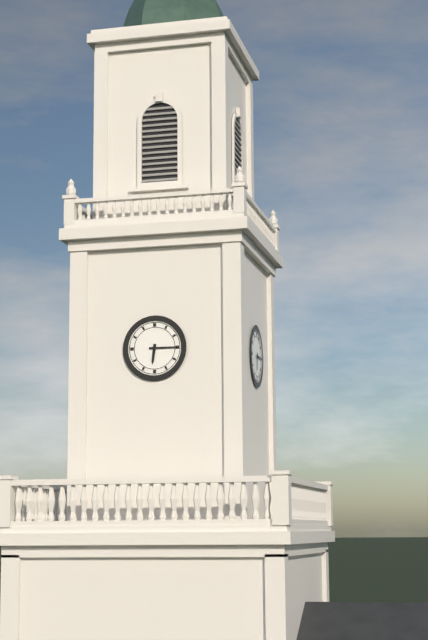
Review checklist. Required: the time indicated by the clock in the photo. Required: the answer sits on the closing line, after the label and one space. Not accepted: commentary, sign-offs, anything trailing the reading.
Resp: 6:15
